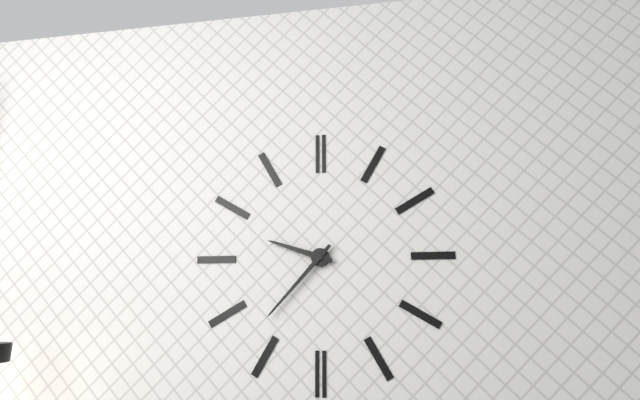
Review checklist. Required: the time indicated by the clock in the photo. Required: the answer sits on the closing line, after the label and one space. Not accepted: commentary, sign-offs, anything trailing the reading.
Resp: 9:37
